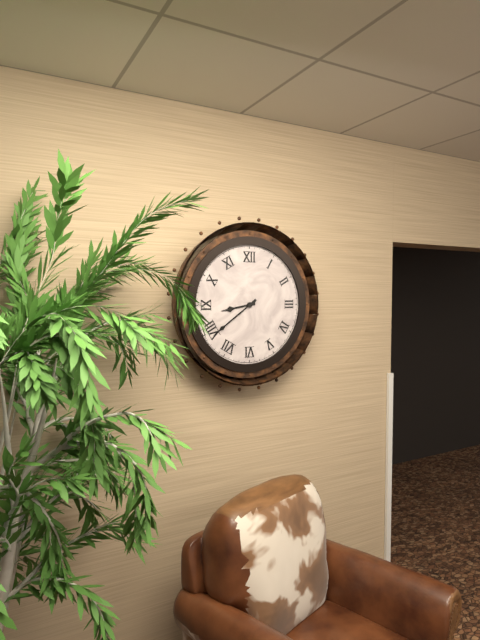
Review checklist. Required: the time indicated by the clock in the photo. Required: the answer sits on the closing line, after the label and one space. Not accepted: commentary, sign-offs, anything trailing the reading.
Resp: 8:39
